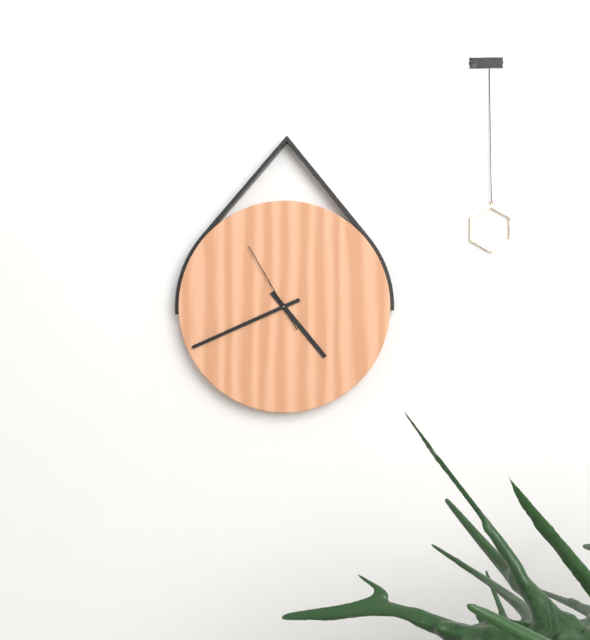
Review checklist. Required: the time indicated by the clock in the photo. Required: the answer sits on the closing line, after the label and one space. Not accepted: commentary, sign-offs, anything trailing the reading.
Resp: 4:41:55
